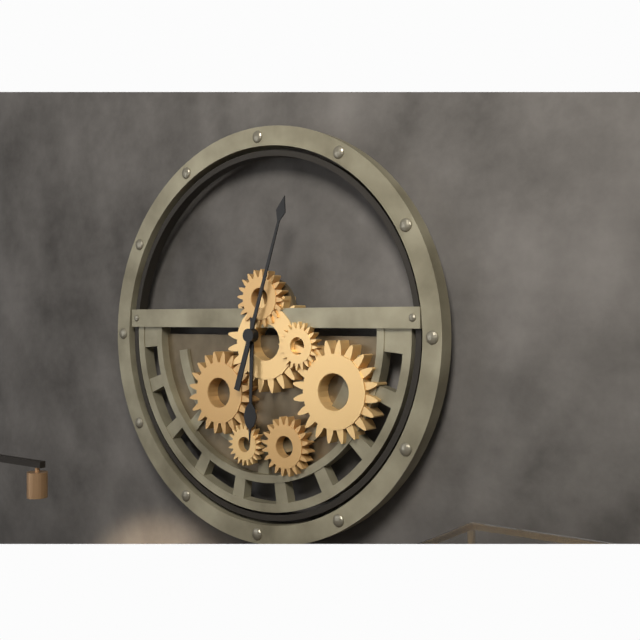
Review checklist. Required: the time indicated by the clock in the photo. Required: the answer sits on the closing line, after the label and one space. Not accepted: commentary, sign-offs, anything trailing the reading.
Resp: 6:03
